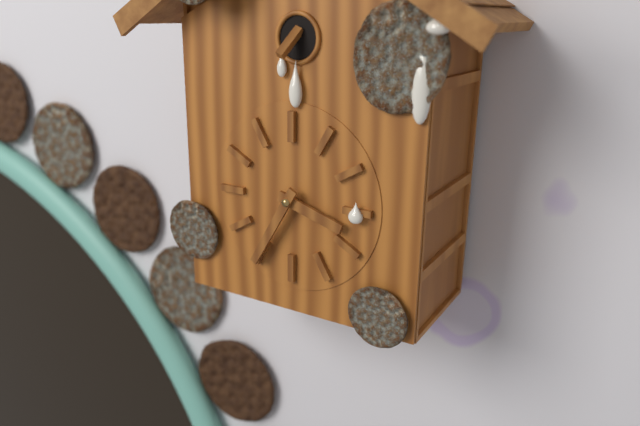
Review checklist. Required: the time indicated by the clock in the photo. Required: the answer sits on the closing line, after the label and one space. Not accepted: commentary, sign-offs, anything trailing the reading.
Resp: 3:35
